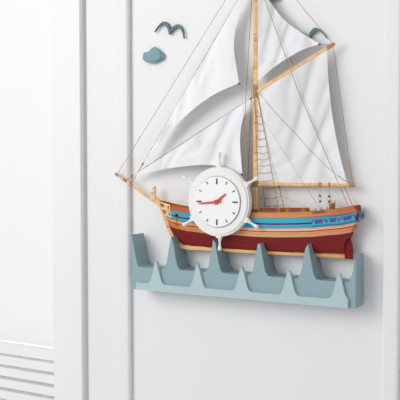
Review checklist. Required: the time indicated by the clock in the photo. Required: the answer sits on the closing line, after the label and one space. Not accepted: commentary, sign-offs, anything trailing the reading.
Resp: 1:44
